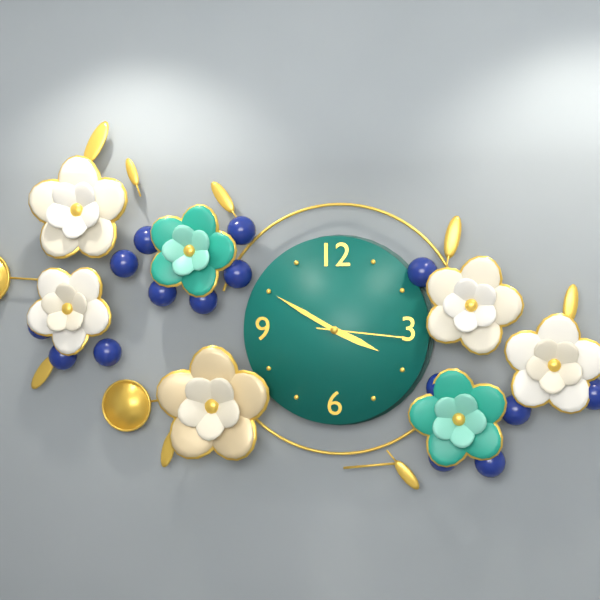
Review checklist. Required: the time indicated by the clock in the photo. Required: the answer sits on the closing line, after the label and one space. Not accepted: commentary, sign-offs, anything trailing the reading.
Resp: 3:50:16
